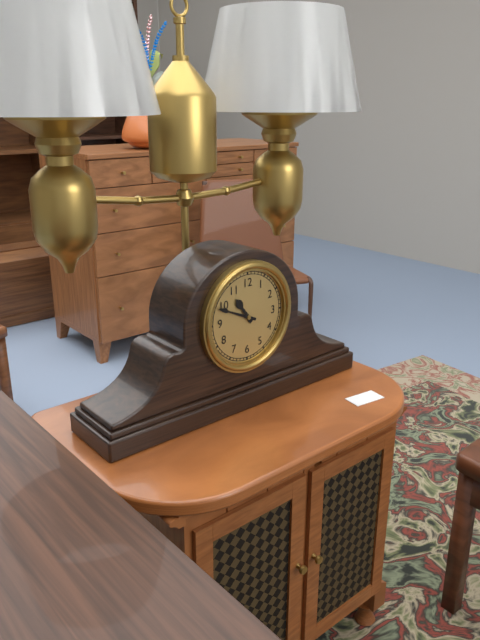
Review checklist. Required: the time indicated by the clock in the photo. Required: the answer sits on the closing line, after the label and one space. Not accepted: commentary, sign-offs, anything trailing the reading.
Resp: 10:49
